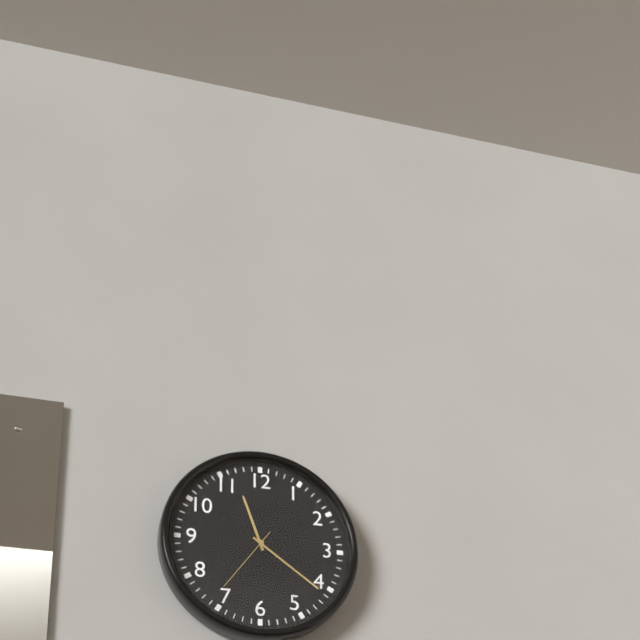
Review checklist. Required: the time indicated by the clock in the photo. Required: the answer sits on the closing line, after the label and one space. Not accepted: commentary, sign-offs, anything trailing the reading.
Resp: 11:21:36
